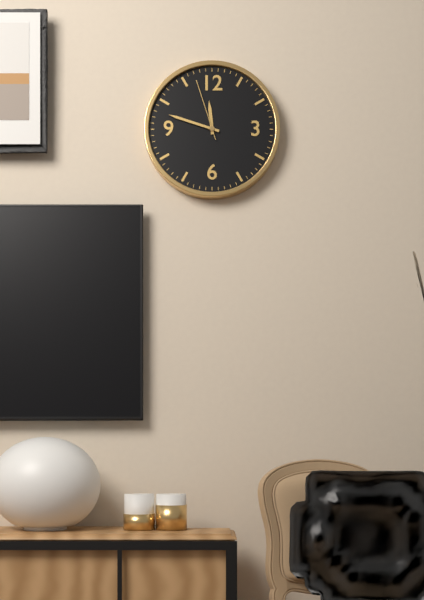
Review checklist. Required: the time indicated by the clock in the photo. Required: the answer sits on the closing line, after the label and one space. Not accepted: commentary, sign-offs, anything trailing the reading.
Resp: 11:48:57
